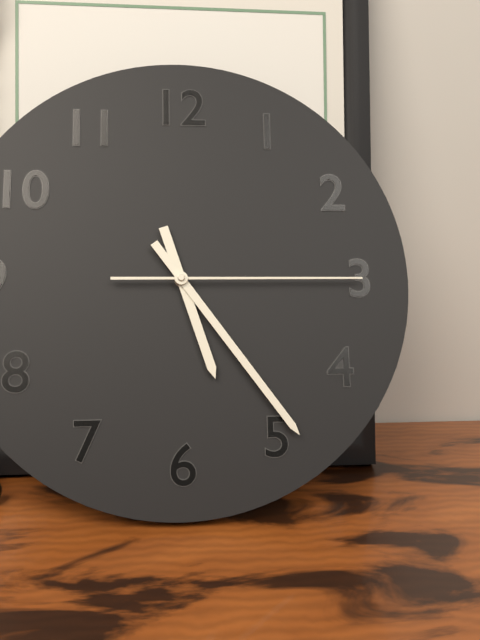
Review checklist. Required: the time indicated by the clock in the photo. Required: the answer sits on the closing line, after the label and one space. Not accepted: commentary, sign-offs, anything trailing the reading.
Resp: 5:24:15
